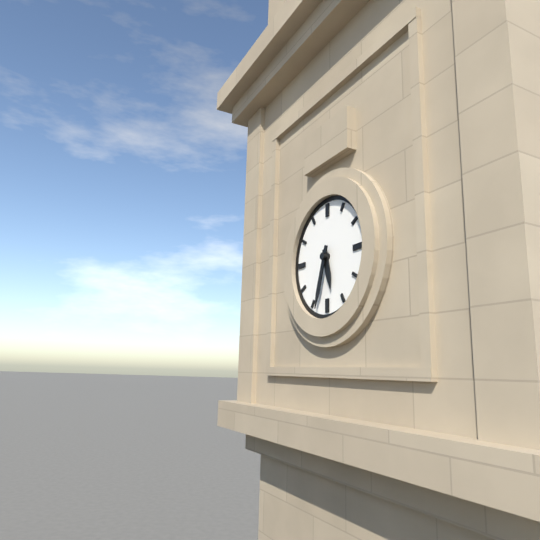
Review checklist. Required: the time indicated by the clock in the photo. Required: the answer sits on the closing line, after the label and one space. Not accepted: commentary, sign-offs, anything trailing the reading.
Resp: 5:33
